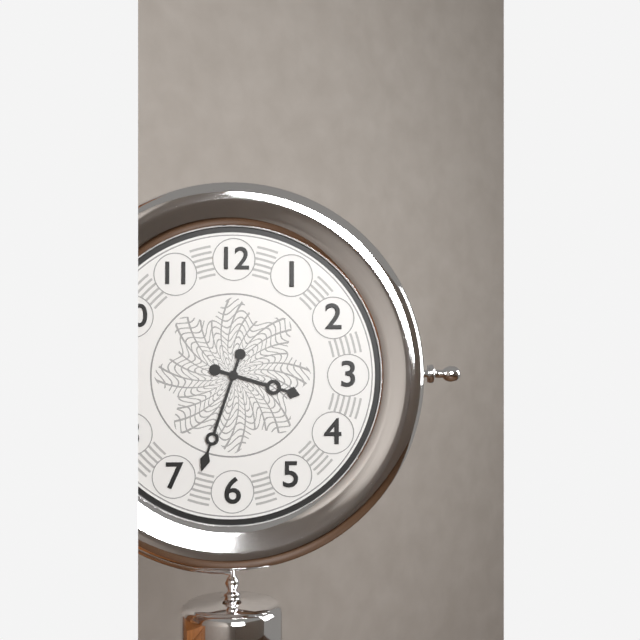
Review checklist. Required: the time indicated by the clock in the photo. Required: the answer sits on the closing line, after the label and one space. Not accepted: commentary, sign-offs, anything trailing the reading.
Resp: 3:33
